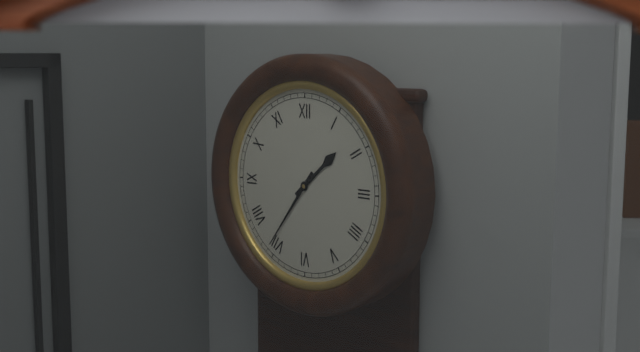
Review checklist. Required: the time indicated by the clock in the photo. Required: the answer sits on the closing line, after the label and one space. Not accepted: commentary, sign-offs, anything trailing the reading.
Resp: 1:36
